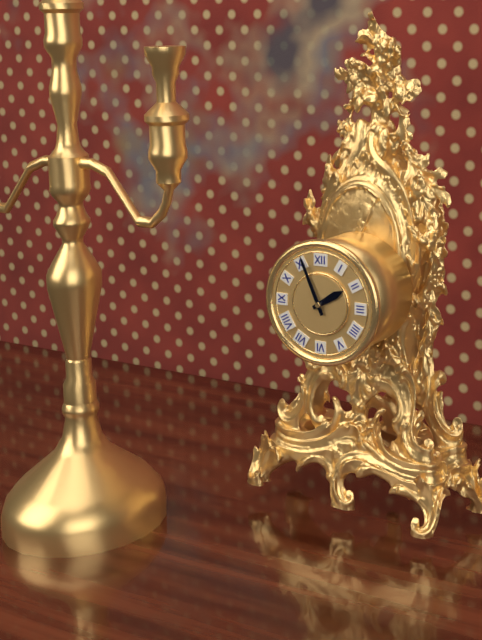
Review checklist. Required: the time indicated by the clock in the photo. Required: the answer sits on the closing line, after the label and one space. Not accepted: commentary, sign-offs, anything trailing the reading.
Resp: 1:56
